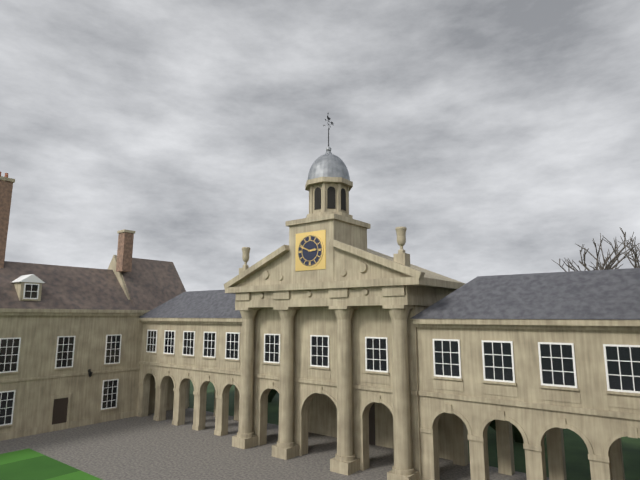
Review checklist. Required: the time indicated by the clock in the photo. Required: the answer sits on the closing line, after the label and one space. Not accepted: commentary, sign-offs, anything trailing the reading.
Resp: 2:49
